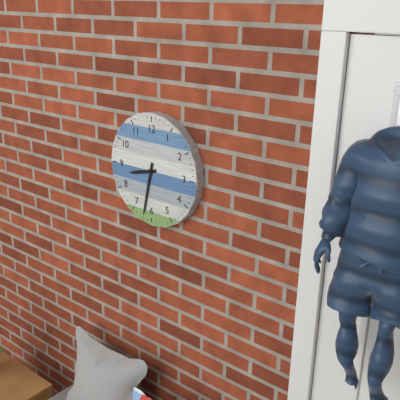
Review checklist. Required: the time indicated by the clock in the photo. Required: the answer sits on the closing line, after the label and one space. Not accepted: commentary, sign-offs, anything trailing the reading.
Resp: 8:32
